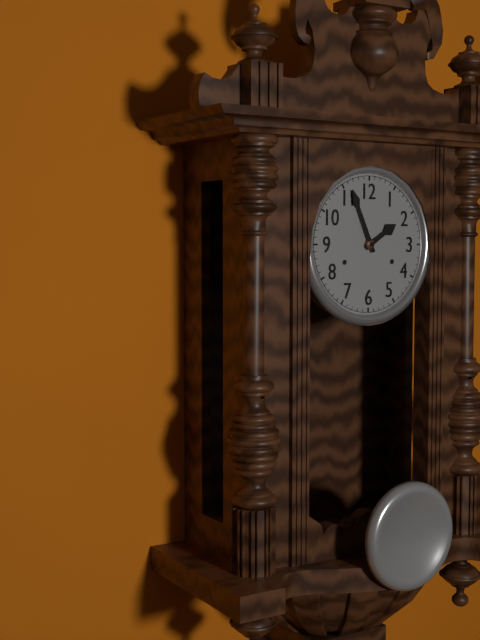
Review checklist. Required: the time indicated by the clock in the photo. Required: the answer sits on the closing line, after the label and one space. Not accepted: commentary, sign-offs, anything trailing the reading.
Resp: 1:56
